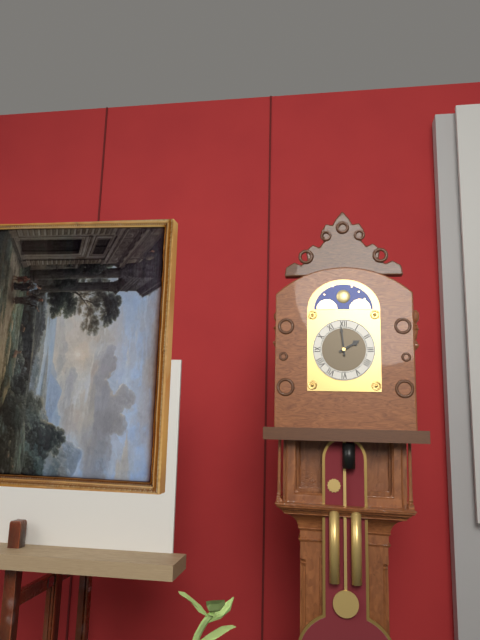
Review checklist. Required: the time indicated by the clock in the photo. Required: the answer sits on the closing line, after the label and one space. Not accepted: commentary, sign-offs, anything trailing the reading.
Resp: 1:59
